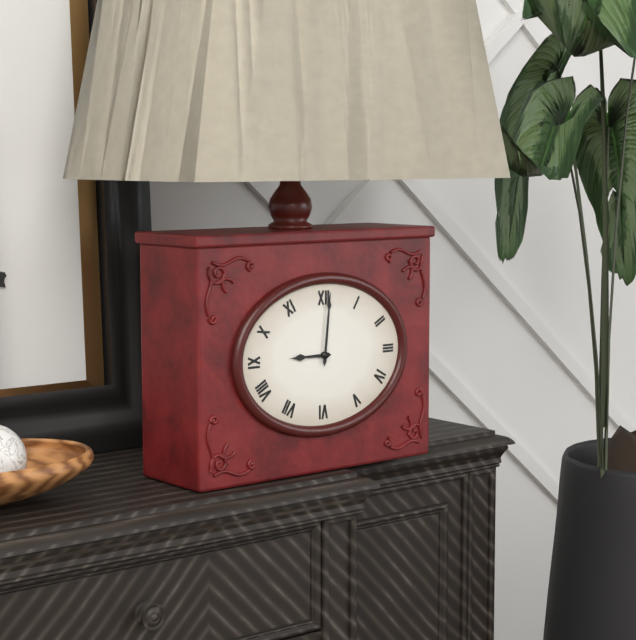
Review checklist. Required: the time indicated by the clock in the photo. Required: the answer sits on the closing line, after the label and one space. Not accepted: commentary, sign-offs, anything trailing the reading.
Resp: 9:01
